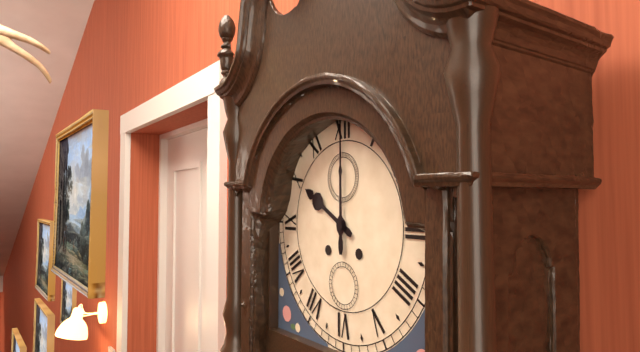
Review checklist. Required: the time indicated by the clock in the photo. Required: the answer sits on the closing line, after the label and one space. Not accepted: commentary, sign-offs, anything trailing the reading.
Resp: 10:00
